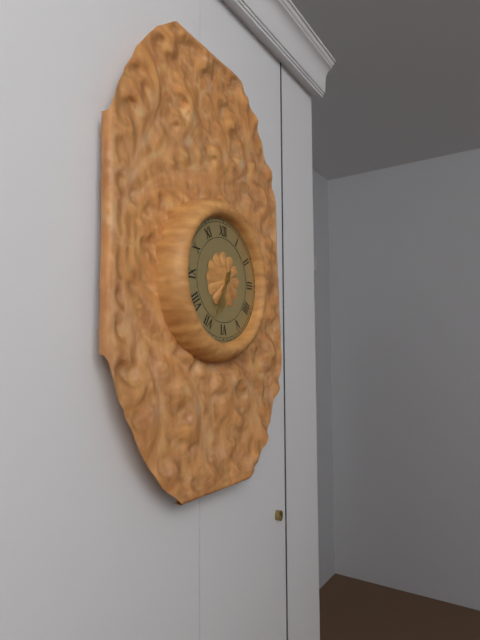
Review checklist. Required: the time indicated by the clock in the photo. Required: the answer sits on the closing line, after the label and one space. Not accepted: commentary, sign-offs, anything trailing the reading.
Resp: 6:35
